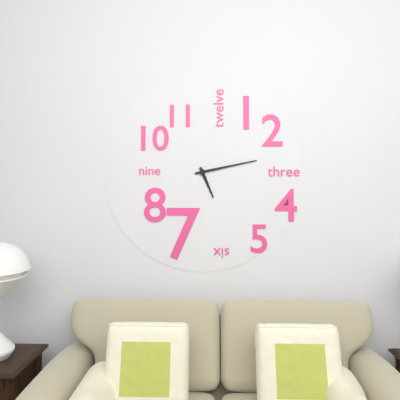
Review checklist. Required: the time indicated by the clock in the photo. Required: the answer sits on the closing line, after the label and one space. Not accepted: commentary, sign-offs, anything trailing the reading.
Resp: 5:13
